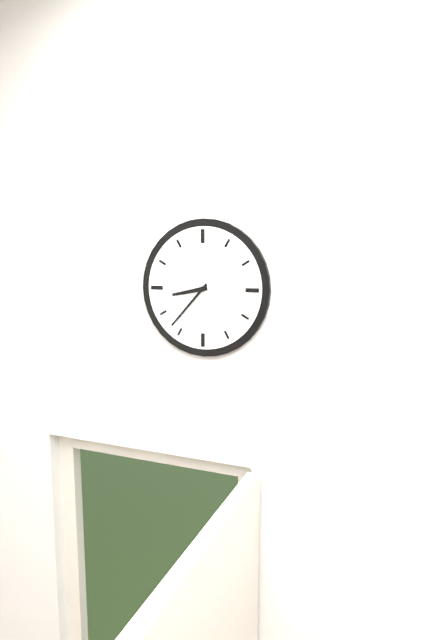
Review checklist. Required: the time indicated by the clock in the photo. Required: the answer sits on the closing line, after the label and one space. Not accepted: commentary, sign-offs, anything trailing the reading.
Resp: 8:37
